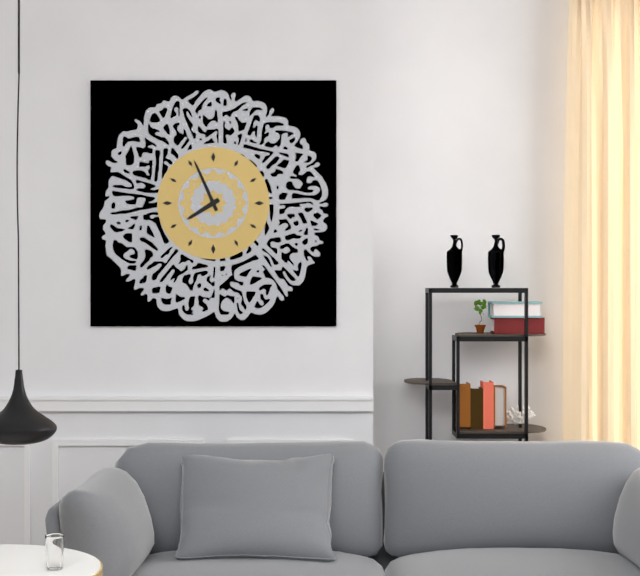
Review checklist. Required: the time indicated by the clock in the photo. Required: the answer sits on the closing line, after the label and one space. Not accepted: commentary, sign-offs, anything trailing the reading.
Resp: 7:56
